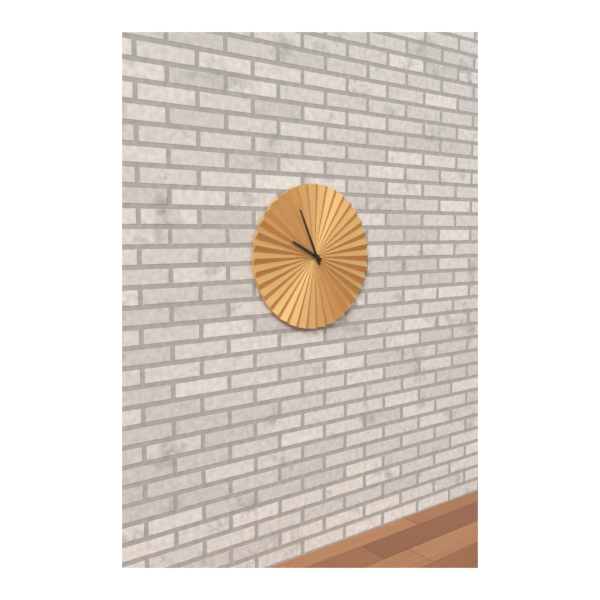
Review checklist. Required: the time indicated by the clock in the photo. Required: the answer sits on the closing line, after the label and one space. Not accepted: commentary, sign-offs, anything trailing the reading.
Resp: 9:56
